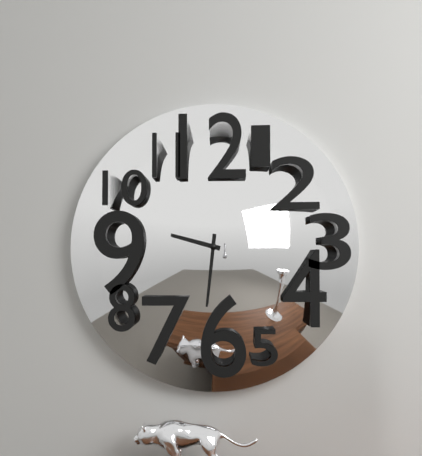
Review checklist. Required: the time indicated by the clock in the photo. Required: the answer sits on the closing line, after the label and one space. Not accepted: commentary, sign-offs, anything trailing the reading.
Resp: 9:31
